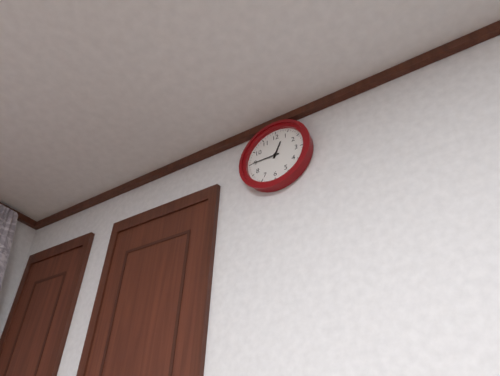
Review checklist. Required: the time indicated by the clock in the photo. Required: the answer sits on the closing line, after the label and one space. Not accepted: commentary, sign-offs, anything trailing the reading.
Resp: 12:45
